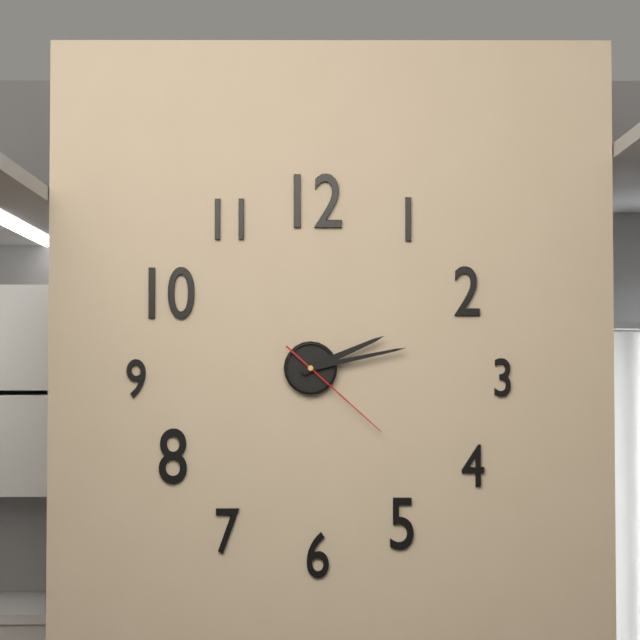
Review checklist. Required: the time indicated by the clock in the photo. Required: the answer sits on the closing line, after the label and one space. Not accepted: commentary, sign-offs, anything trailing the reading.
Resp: 2:13:22
